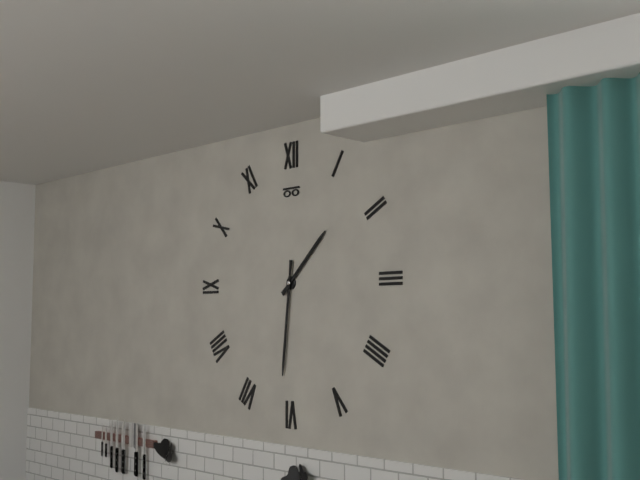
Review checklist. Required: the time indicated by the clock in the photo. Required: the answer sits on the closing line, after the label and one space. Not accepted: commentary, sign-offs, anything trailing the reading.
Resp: 1:31
